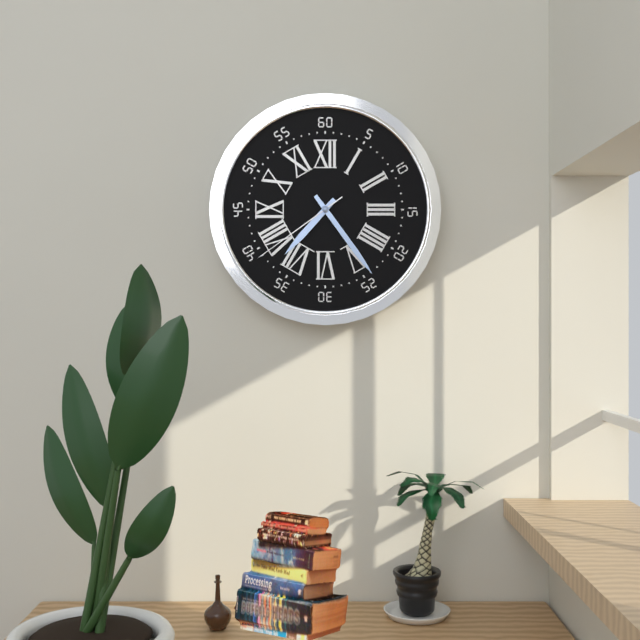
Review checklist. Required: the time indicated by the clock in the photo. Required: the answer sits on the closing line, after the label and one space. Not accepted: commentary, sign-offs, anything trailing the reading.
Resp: 7:24:39
